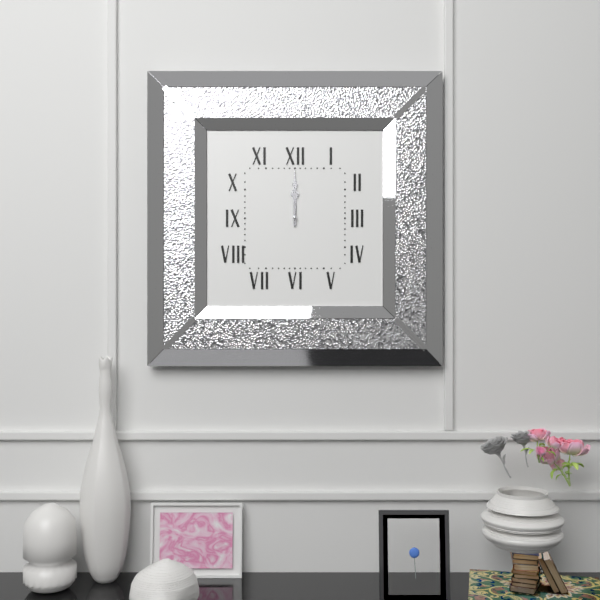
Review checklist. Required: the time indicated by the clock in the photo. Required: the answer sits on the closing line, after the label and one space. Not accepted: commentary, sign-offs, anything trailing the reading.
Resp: 12:00
